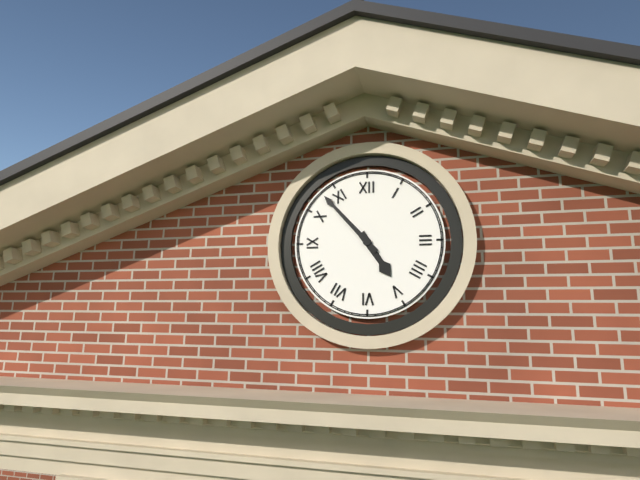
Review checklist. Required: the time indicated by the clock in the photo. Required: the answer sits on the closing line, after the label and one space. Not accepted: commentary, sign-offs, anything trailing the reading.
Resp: 4:53
